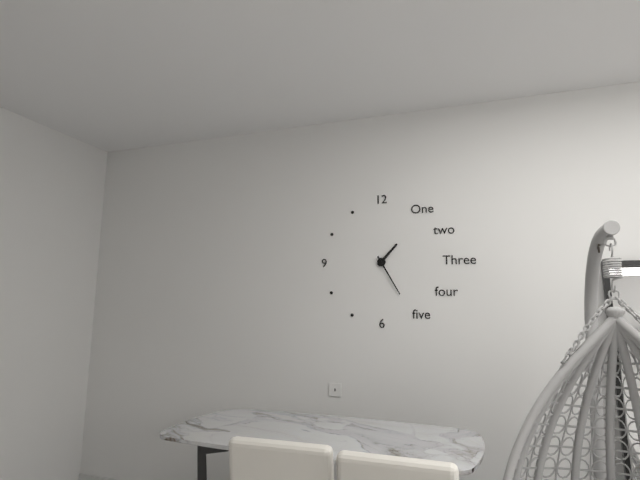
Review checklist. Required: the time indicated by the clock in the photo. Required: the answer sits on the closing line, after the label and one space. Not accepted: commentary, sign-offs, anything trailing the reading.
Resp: 1:25
